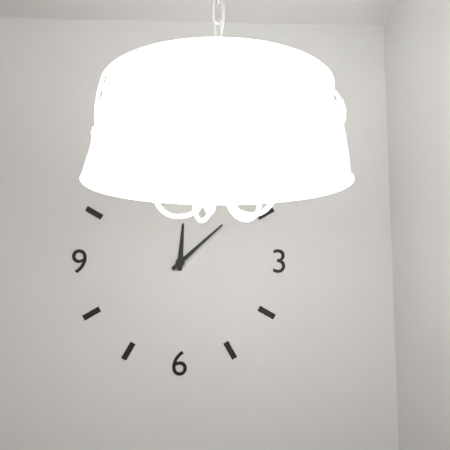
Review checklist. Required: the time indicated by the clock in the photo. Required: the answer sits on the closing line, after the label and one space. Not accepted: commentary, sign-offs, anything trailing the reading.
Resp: 12:08
